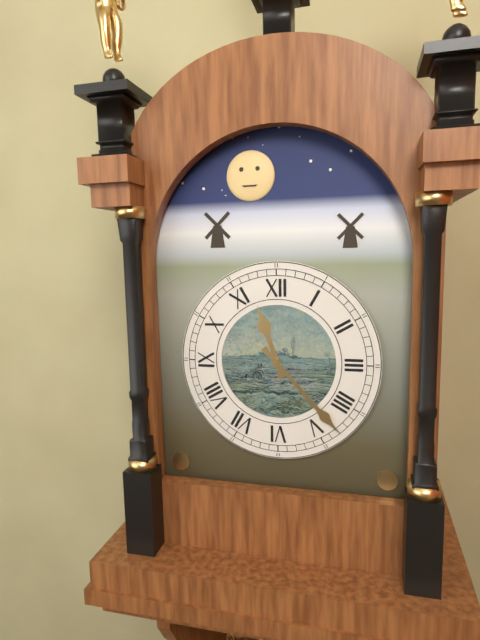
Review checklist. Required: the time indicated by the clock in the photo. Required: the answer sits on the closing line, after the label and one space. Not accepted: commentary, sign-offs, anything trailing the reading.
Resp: 11:23
